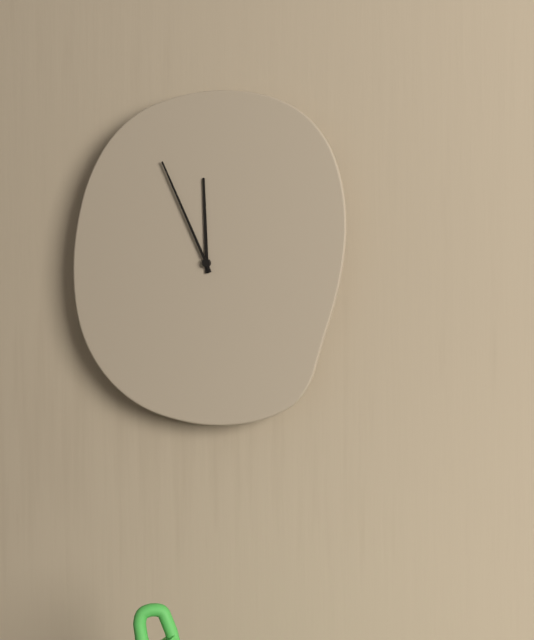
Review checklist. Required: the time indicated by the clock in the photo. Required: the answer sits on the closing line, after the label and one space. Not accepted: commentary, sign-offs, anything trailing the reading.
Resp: 11:56
